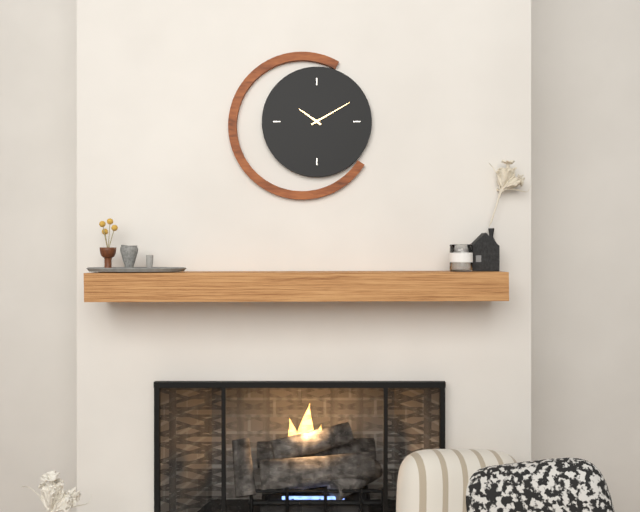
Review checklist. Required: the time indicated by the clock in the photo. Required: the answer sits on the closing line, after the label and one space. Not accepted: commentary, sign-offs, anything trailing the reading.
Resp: 10:10
